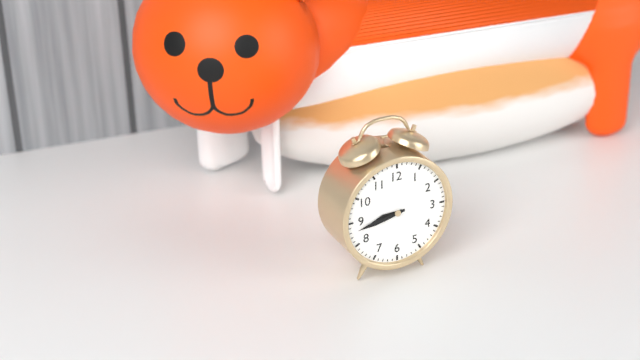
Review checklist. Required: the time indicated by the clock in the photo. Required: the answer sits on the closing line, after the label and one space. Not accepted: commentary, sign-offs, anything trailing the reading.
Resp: 8:43
